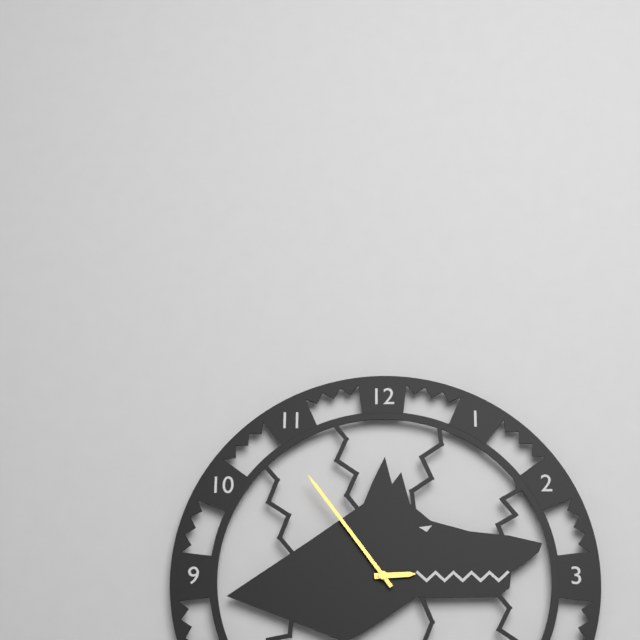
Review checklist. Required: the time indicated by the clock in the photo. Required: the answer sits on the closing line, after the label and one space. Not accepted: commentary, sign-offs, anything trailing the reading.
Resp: 2:54
